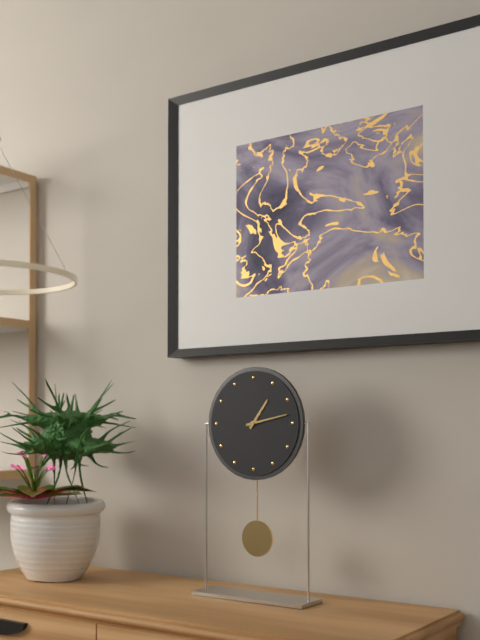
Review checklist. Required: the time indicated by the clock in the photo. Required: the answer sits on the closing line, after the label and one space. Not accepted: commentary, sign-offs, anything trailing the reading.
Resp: 1:13
